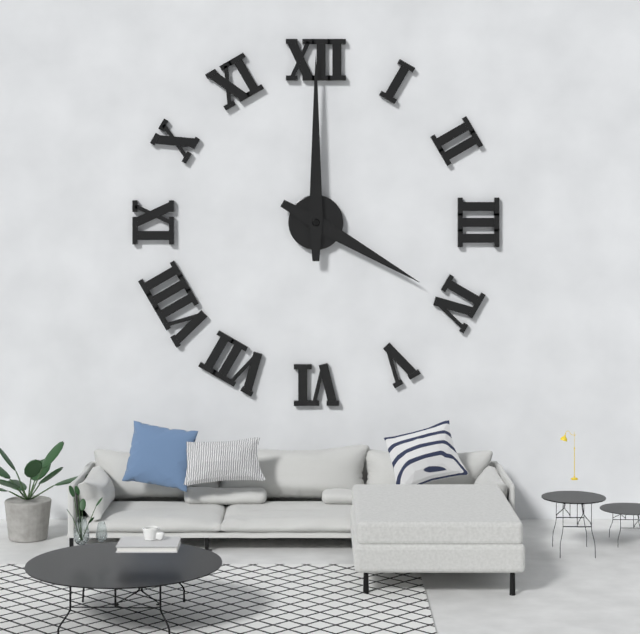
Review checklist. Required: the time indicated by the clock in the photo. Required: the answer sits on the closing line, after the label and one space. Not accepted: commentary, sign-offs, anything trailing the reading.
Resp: 4:00
